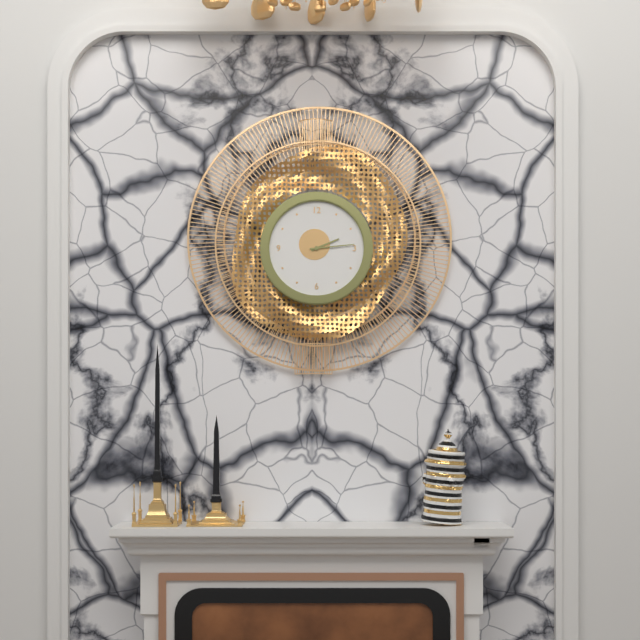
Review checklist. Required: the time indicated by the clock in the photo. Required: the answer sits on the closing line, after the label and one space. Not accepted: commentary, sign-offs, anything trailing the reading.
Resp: 2:14
